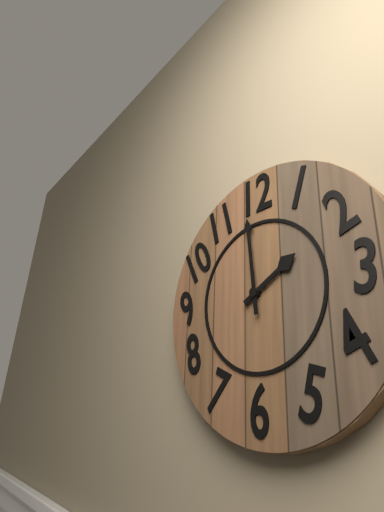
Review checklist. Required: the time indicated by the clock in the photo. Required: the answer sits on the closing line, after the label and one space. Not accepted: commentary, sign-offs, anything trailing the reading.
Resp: 1:59
